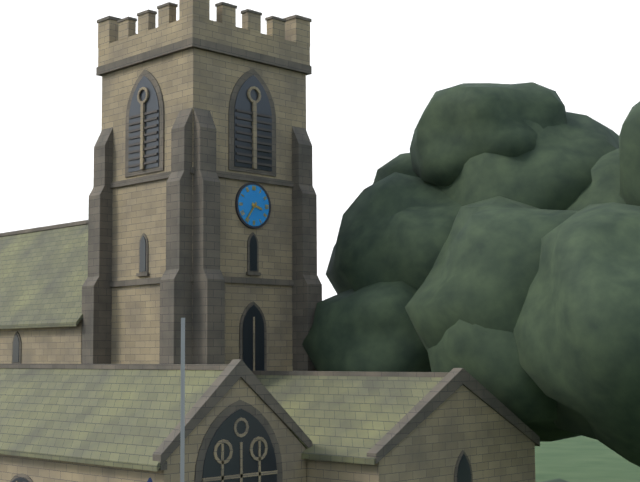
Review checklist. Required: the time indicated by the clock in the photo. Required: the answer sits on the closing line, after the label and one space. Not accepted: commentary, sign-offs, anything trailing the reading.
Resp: 3:36
